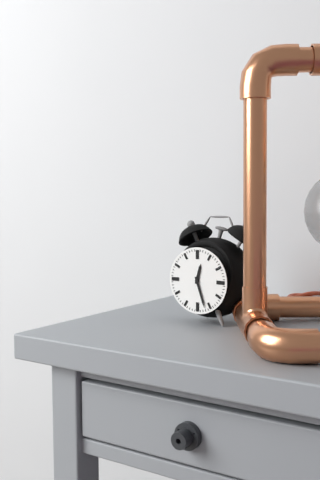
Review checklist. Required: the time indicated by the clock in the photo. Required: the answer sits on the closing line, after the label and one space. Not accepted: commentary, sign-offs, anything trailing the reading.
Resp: 12:27
